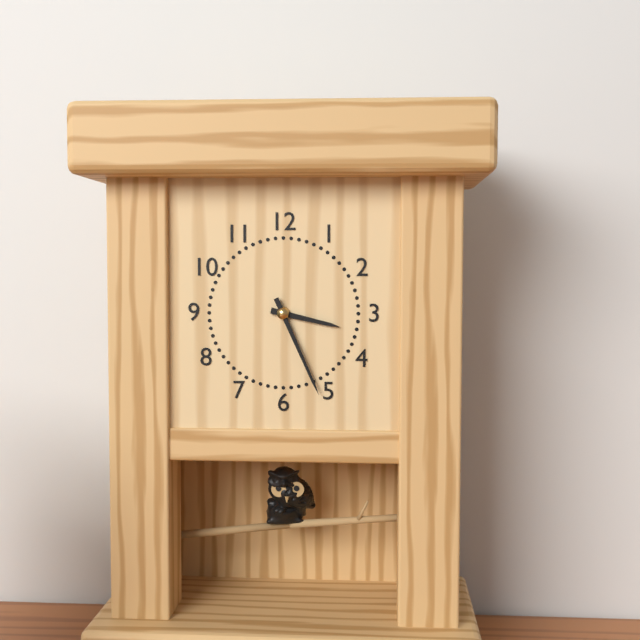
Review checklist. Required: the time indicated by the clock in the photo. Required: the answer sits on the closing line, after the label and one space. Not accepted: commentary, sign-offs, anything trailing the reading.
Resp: 3:26
